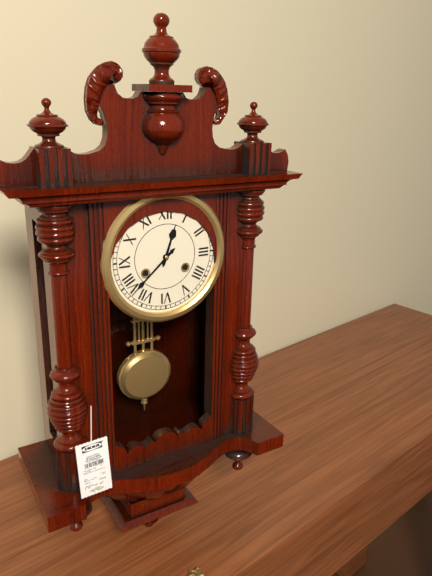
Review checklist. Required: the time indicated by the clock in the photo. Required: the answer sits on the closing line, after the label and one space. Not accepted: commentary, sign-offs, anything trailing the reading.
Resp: 12:38
